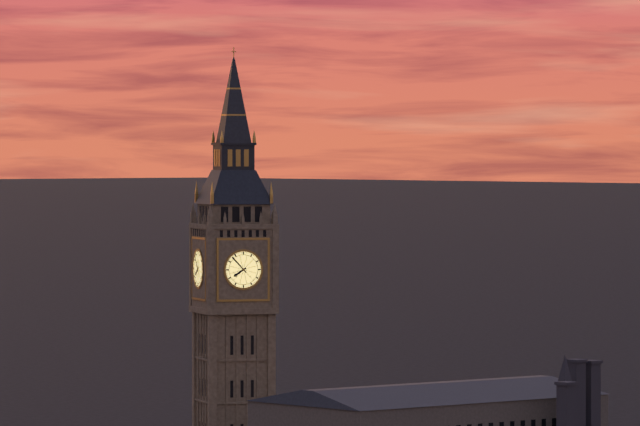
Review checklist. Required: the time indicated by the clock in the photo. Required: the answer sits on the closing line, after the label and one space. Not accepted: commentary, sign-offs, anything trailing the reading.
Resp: 7:53
